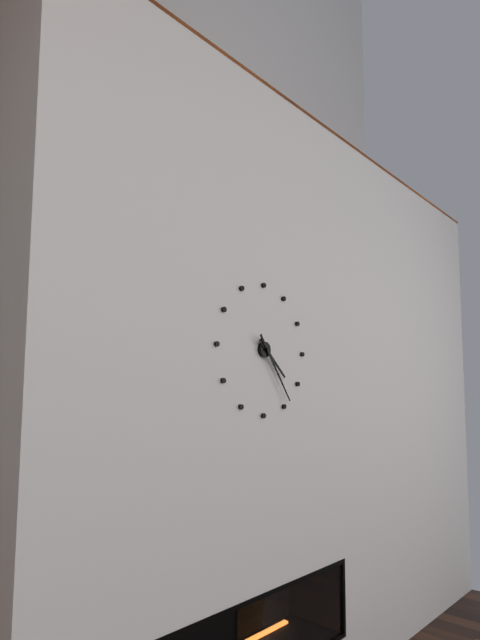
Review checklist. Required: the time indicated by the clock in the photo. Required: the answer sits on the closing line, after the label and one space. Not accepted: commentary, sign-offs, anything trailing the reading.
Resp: 4:24
